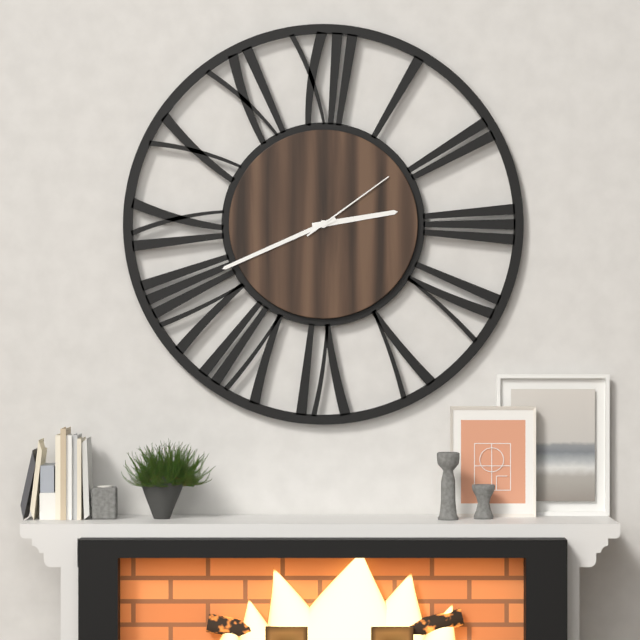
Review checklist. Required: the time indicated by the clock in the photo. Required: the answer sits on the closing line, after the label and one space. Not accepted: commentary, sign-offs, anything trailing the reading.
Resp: 2:41:09
